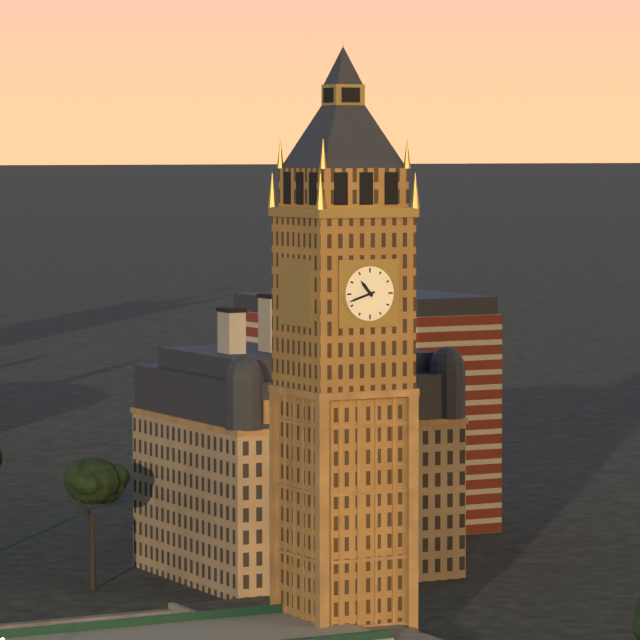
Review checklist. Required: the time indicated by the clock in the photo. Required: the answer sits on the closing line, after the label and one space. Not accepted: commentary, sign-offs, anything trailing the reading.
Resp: 10:42
